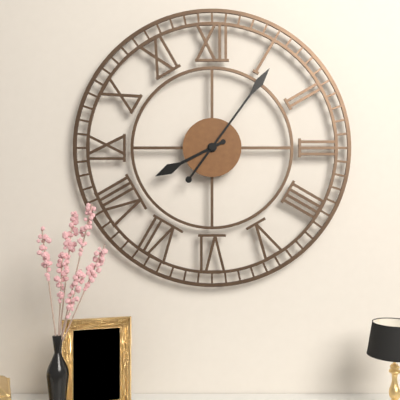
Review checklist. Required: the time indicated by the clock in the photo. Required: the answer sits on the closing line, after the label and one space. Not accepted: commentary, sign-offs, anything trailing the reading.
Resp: 8:06
